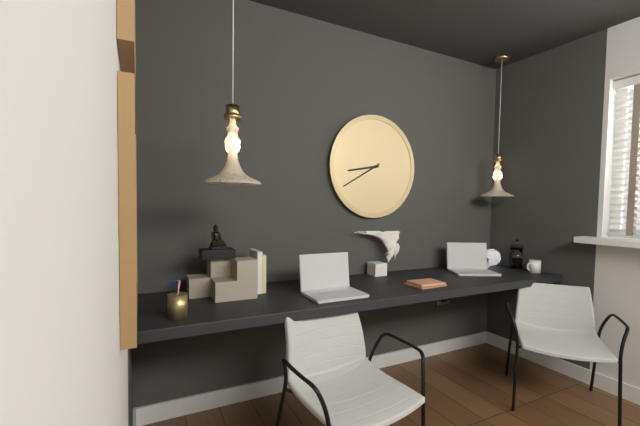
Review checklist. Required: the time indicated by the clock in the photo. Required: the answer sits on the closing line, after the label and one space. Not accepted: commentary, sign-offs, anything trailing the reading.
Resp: 8:40
